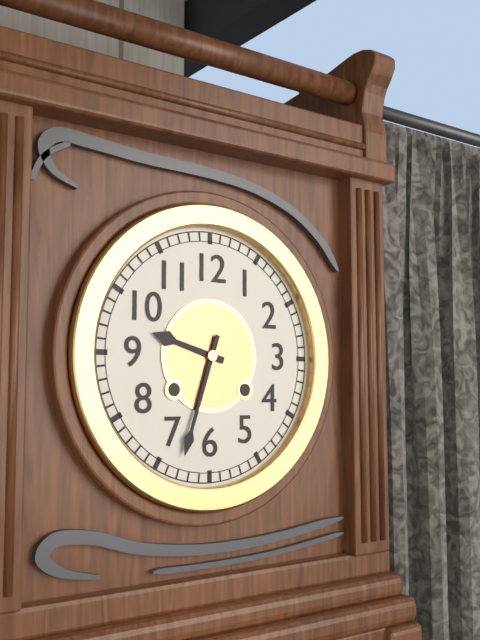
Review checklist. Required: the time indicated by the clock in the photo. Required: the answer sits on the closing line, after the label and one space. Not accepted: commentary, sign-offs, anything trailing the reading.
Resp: 9:33
